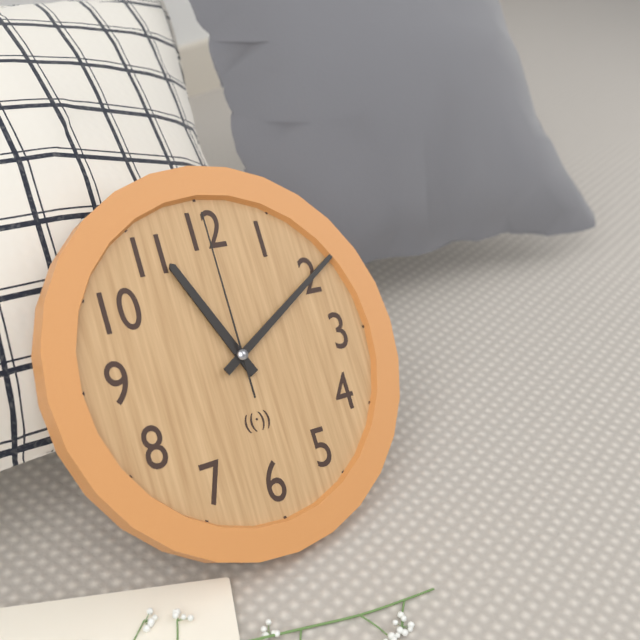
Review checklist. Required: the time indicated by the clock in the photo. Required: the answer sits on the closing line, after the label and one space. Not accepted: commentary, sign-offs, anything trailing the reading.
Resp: 11:10:00
